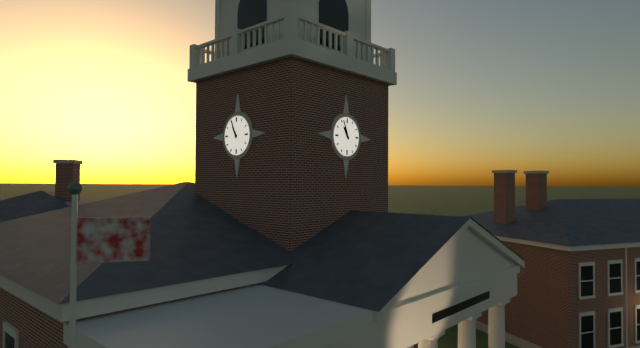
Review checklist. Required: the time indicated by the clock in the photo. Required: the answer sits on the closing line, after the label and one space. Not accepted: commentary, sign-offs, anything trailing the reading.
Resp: 10:56
